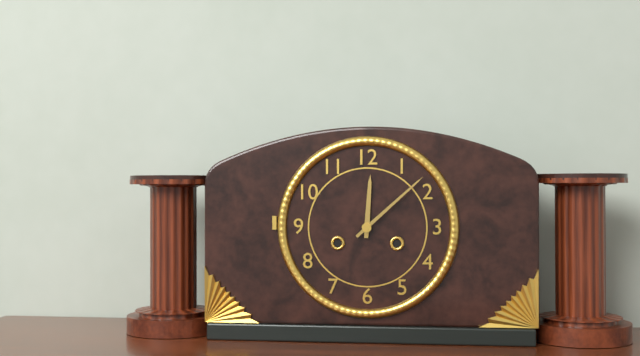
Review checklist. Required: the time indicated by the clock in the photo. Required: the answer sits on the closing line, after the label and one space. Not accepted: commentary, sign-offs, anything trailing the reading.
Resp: 12:08
